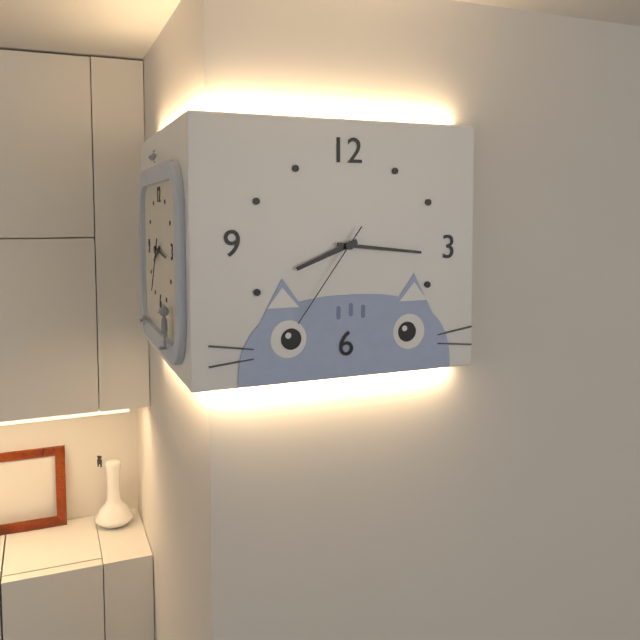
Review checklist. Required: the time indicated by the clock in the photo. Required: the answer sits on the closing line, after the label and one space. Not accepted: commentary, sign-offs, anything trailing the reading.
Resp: 8:16:36
